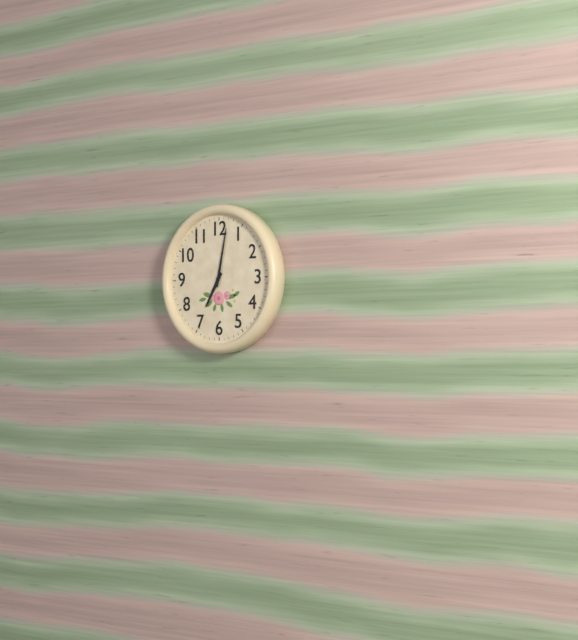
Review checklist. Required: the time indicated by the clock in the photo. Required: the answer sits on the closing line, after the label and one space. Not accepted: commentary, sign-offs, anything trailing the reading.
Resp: 7:02
